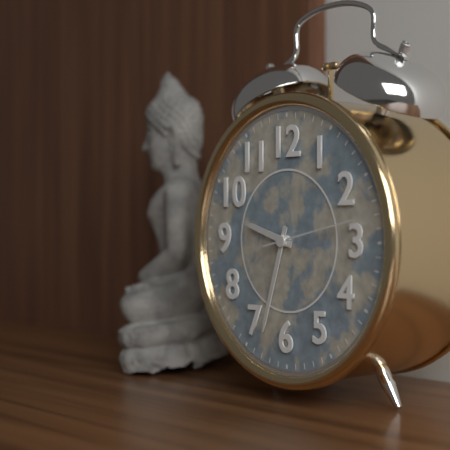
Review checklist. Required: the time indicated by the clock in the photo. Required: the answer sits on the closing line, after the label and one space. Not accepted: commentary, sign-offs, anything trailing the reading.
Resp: 9:33:13
